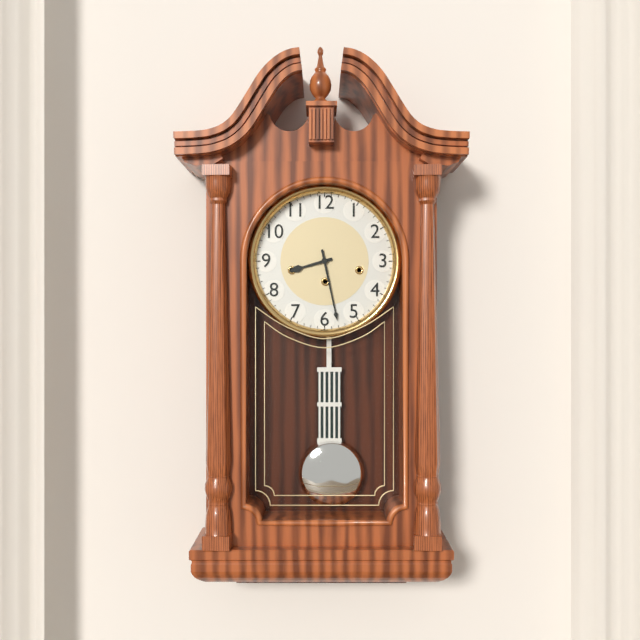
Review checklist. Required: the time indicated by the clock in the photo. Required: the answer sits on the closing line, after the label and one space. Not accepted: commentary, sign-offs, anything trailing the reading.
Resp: 8:28
